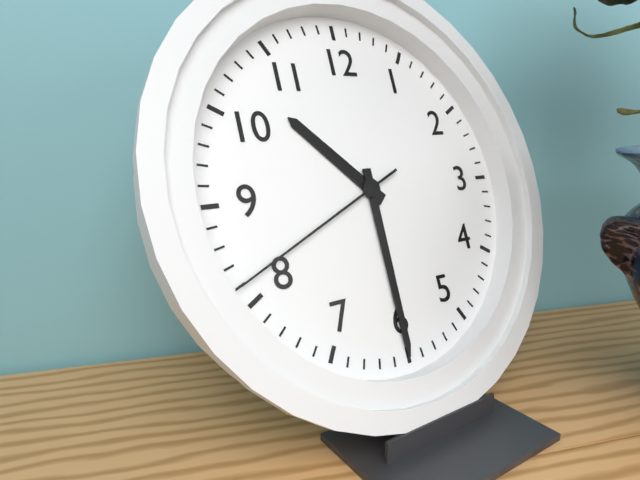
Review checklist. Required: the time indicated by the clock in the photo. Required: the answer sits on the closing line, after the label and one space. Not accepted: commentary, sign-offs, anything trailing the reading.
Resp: 10:30:41
